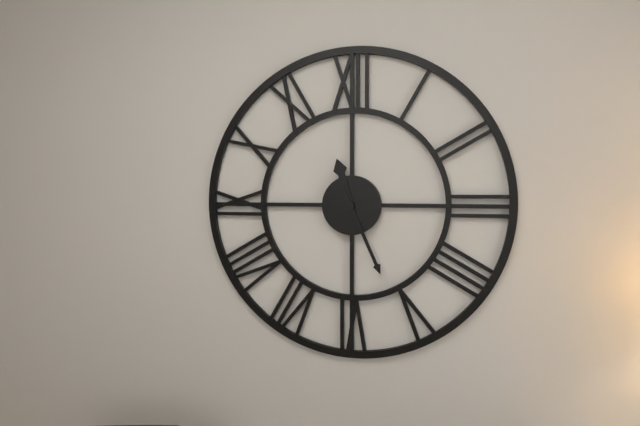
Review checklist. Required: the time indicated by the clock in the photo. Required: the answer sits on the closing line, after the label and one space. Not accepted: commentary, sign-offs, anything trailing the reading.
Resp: 11:26
